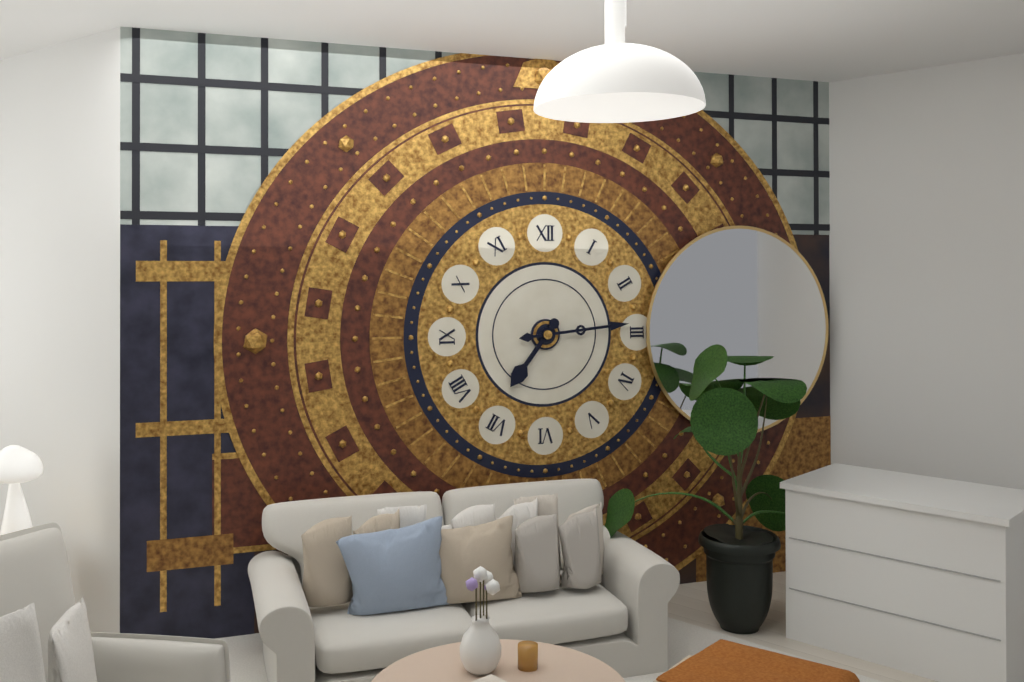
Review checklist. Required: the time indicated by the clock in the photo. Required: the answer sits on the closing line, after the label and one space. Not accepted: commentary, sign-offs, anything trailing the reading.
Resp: 7:14
